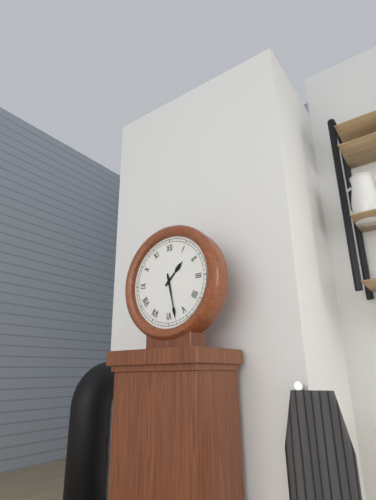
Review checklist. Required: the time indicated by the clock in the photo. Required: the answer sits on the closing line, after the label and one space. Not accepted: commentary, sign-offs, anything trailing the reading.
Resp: 1:28
